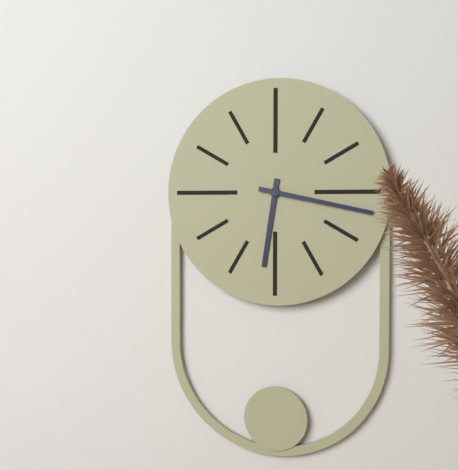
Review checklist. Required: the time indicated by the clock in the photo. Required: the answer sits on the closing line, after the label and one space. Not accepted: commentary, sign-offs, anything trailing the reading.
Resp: 6:17
